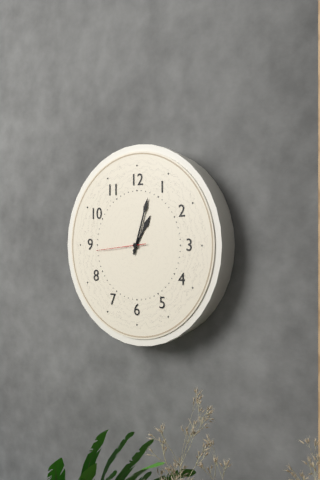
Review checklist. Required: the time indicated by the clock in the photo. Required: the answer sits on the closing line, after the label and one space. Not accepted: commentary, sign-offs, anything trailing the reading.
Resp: 1:03:44
